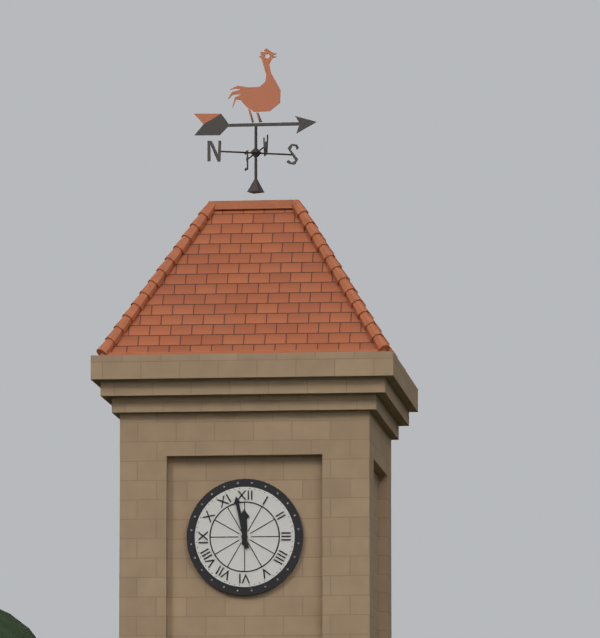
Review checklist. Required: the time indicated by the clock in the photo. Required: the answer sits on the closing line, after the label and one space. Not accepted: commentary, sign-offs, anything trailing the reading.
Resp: 11:58
